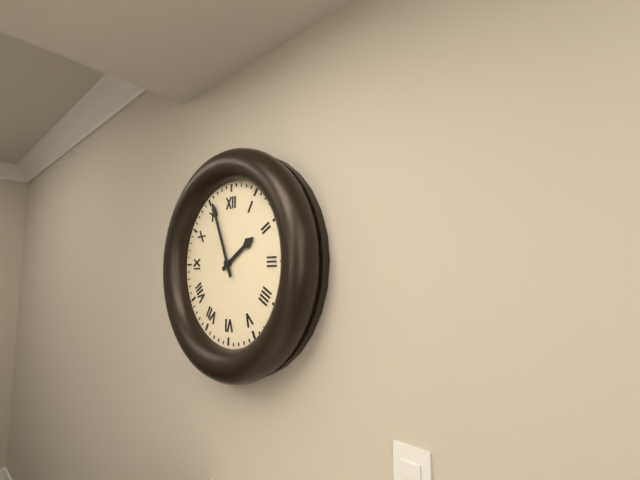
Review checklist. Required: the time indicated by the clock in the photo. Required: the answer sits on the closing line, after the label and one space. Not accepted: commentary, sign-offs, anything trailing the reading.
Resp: 1:56
